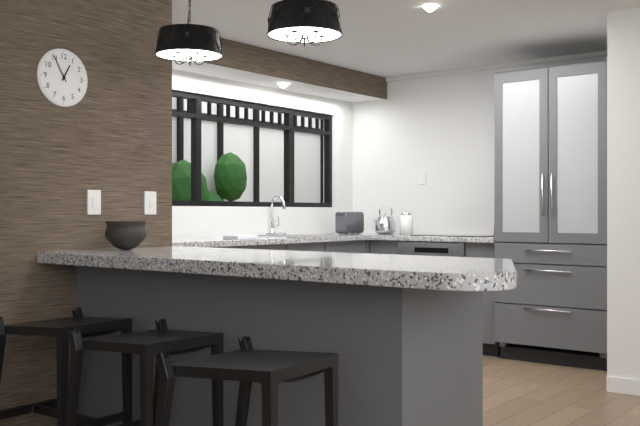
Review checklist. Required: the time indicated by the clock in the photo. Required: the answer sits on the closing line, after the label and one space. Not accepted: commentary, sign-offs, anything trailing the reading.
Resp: 12:55
